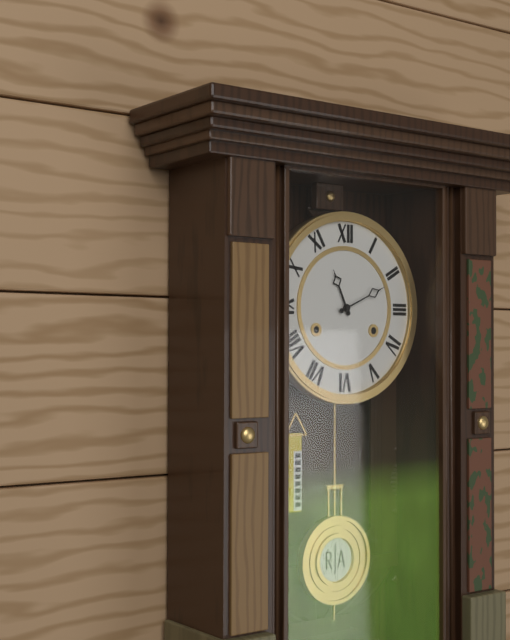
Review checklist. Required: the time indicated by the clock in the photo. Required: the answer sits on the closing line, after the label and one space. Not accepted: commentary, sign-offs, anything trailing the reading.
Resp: 11:11
